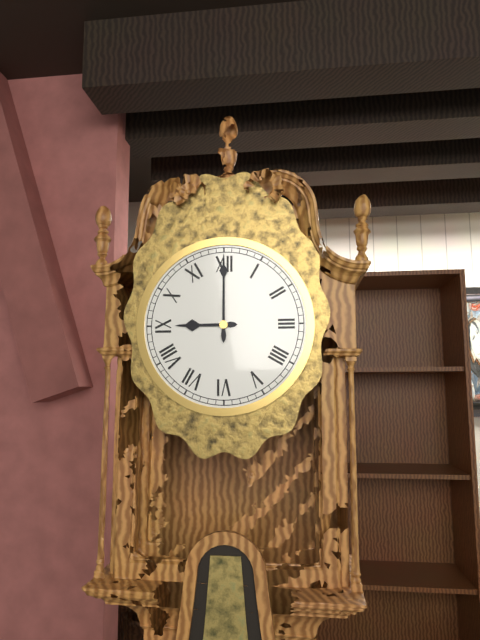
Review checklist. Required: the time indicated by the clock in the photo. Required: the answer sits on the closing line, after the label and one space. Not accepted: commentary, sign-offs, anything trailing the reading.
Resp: 9:00
